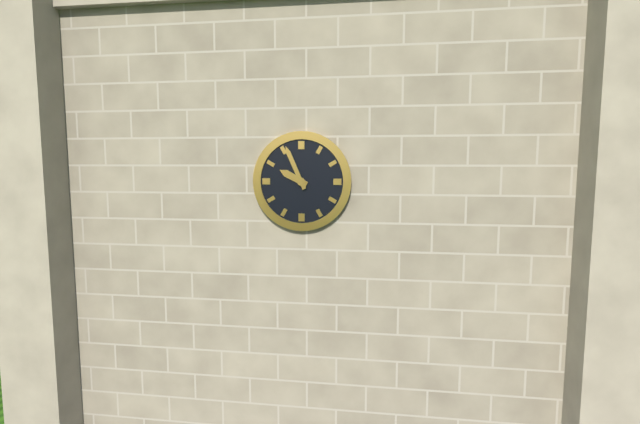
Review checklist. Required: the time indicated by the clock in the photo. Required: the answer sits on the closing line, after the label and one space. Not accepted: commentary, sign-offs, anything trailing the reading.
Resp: 9:56
